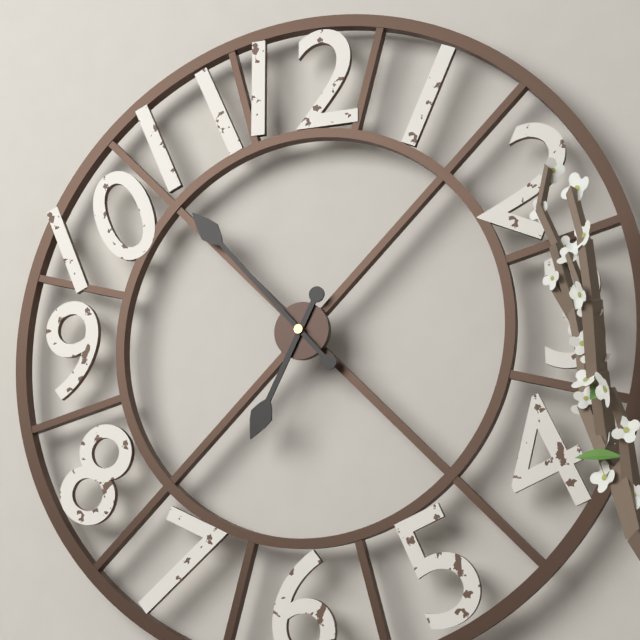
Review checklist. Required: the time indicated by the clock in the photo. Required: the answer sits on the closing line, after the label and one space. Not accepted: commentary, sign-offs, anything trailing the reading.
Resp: 6:53
